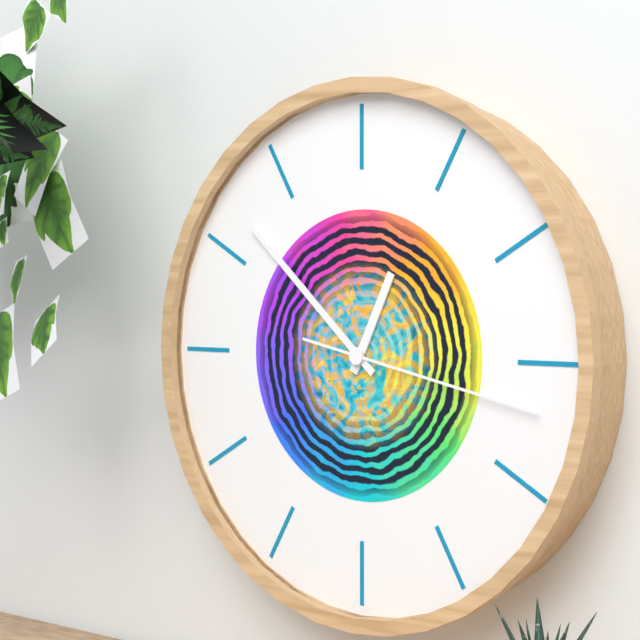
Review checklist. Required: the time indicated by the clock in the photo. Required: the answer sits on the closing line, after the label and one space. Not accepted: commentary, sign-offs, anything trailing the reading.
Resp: 12:52:17
